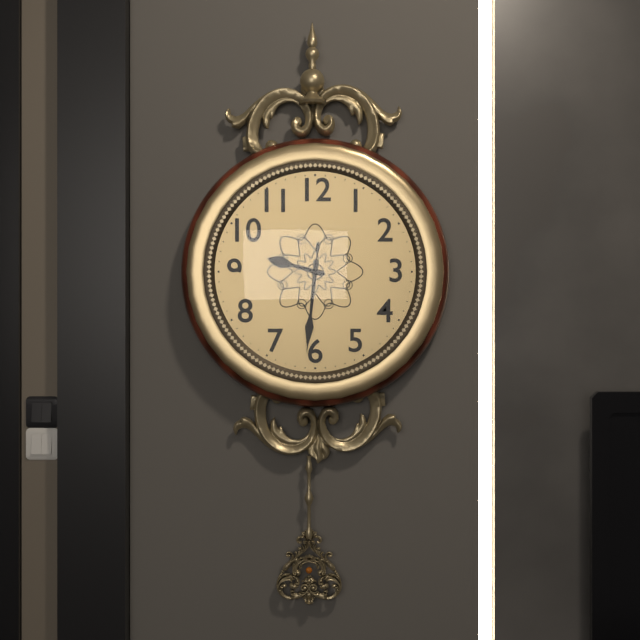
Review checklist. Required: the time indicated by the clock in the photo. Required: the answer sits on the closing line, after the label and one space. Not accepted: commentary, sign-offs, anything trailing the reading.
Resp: 9:31:31
